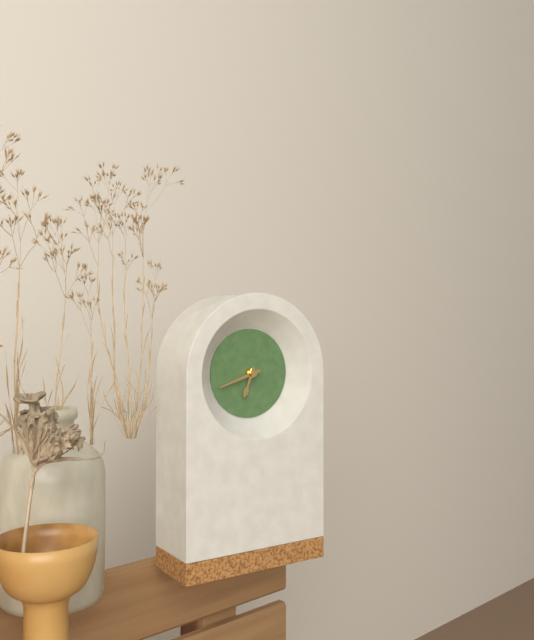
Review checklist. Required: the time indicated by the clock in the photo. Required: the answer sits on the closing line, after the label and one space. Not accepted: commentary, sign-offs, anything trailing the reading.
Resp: 6:42
